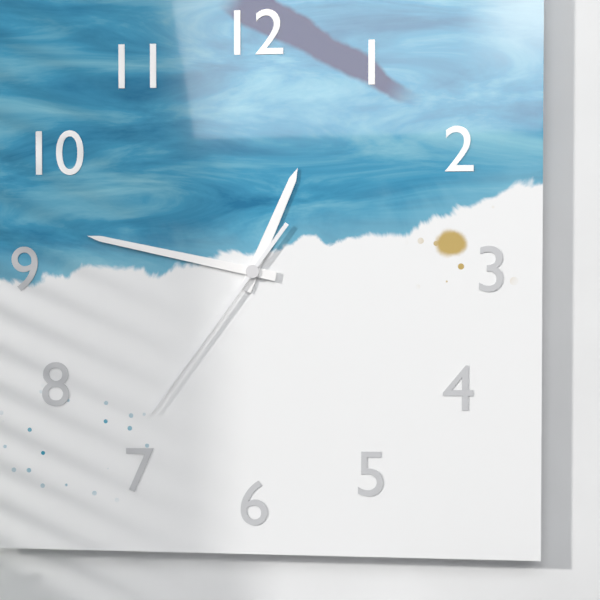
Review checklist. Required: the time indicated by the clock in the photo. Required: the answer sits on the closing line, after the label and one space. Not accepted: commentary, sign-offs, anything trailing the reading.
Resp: 12:47:36
